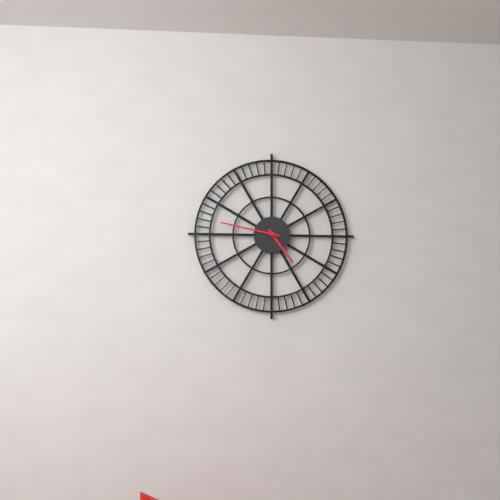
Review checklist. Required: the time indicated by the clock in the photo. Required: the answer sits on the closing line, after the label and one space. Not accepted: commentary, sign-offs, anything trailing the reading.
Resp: 4:47
